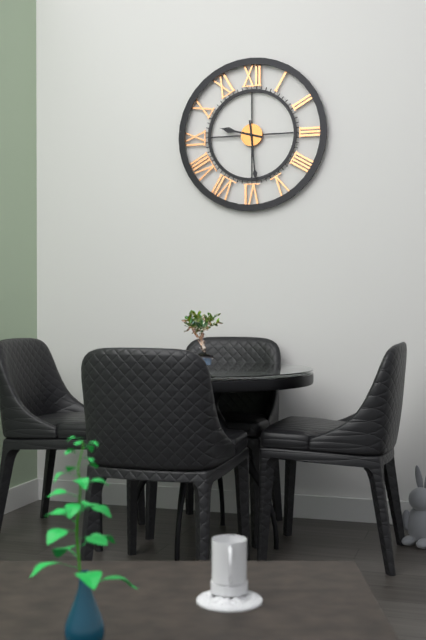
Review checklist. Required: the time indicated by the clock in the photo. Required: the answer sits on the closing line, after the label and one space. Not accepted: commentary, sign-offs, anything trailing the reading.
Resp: 9:29
